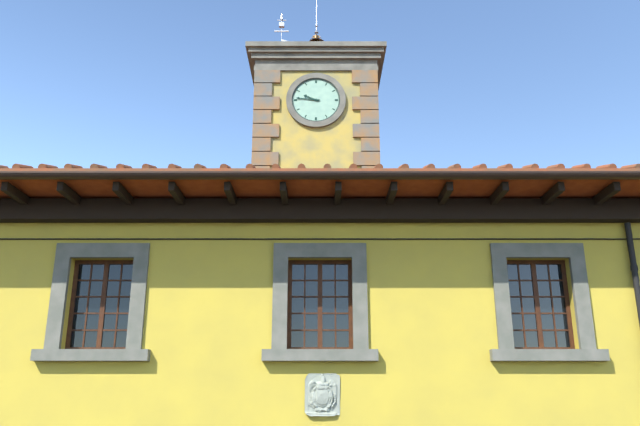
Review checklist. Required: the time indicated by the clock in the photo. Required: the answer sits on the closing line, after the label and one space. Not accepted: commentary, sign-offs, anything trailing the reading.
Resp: 9:46
